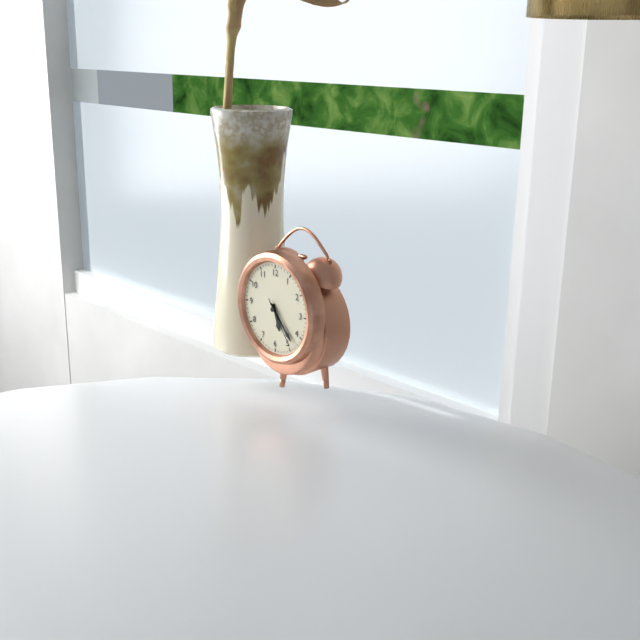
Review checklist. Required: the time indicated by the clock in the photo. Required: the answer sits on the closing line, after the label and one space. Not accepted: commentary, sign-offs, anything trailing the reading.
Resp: 5:23:24
